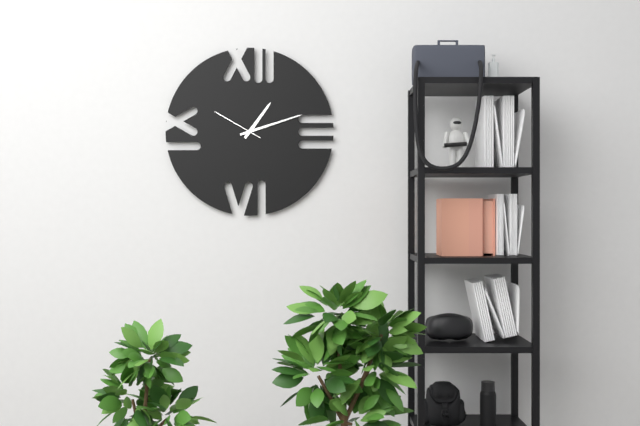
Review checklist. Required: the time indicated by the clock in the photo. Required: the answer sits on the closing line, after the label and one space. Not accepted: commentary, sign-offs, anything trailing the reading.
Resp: 1:12:50
